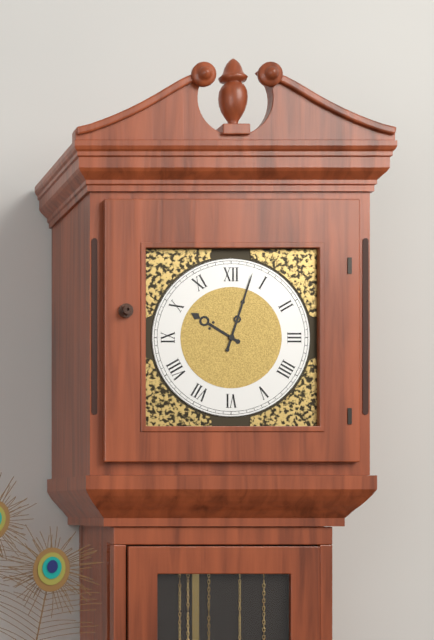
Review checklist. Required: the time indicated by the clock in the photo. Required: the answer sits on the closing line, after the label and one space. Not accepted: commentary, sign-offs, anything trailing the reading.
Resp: 10:03
